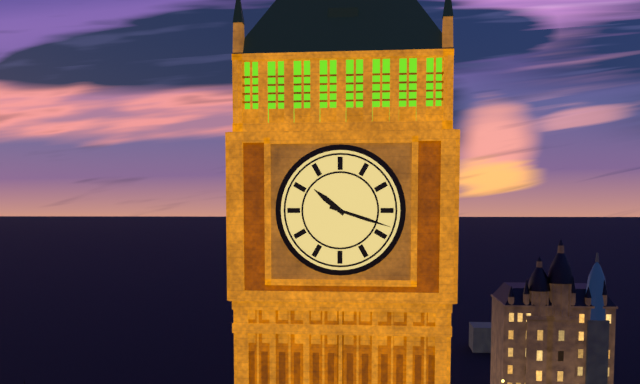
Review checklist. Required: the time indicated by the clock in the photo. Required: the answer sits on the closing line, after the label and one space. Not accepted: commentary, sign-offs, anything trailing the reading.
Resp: 10:18
